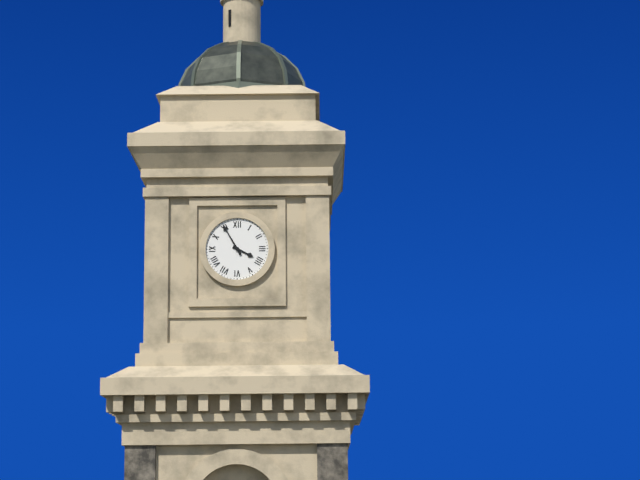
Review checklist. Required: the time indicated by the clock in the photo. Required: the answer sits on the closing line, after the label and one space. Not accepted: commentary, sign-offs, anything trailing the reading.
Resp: 3:55
